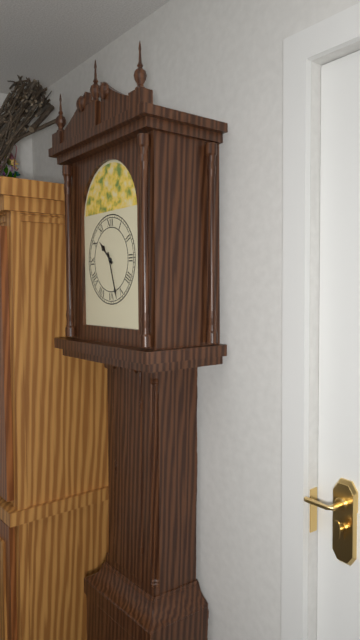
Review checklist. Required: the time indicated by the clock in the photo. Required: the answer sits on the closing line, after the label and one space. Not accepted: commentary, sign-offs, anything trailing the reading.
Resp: 10:27
